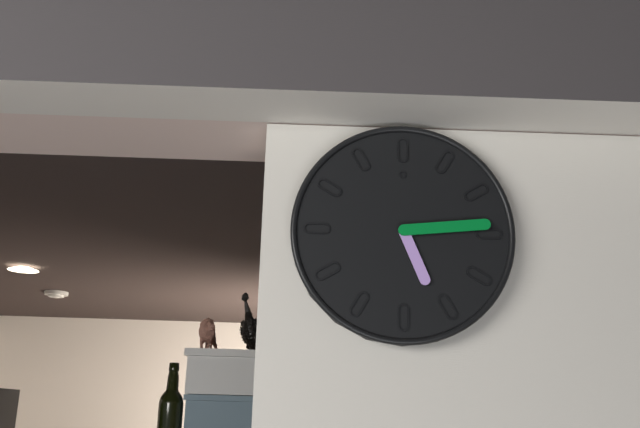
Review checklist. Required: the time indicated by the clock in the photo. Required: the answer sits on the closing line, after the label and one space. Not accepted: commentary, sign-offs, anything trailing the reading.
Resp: 5:14
